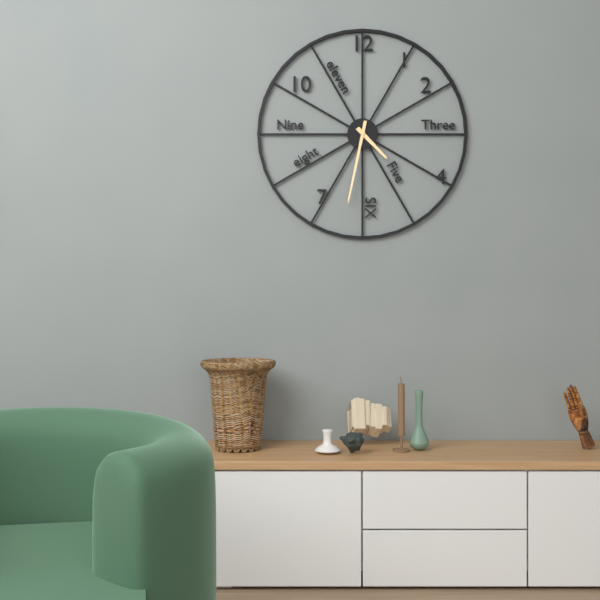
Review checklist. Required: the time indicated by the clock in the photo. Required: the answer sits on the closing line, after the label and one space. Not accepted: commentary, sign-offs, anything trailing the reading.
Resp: 4:32
